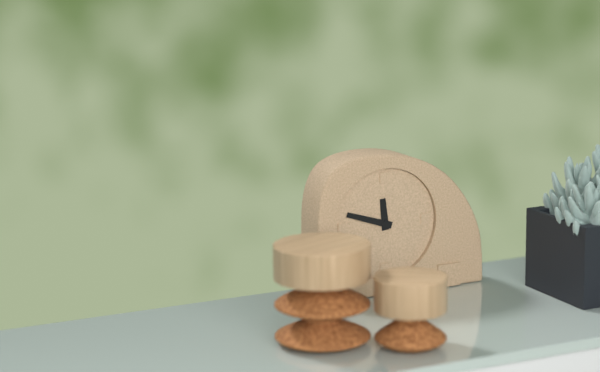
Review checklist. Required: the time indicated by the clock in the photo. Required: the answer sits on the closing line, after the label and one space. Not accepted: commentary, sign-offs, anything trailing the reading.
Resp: 11:48
